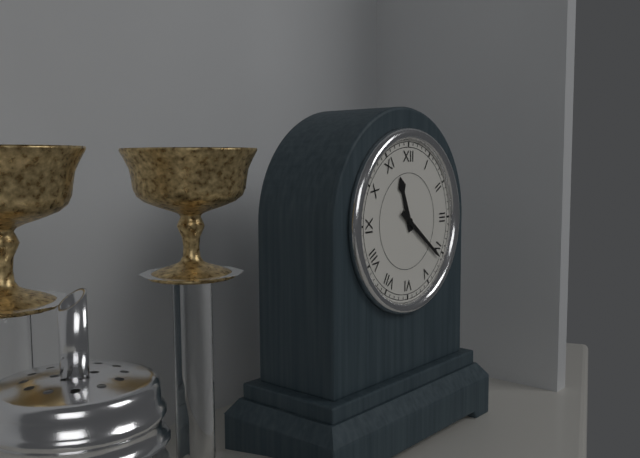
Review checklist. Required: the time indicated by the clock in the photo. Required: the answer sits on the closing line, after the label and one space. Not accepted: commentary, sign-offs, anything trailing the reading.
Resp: 11:21
